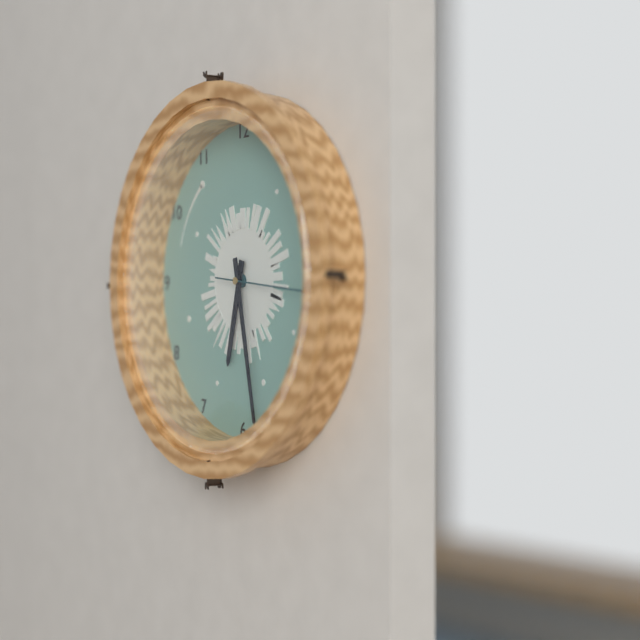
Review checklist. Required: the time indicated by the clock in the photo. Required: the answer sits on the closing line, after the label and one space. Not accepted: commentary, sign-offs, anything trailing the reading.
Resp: 6:28:16
